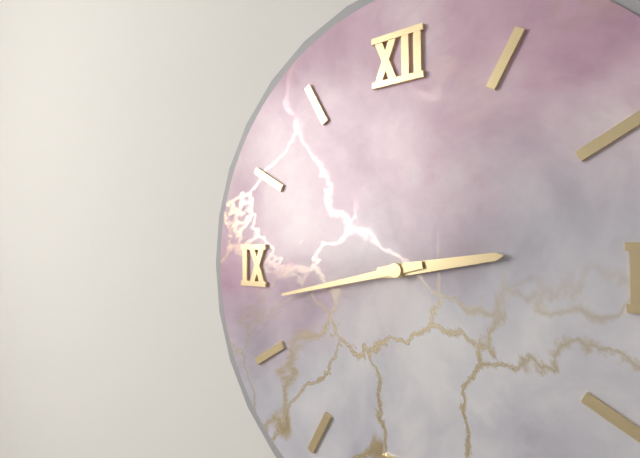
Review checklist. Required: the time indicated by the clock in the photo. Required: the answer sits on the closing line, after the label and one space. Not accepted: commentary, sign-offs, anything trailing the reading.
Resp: 2:43
